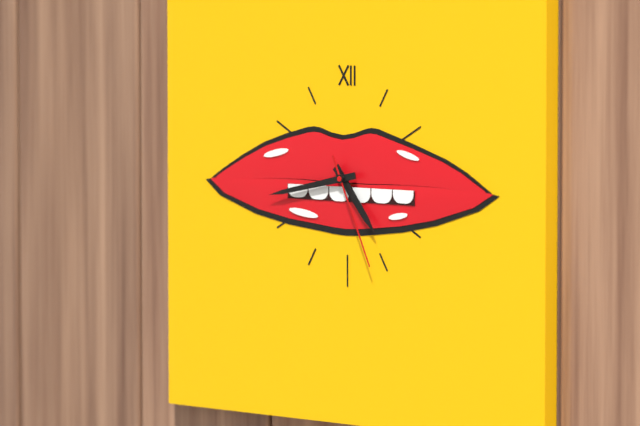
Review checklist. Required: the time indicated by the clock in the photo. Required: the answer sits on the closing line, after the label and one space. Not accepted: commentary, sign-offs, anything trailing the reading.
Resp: 4:43:26
